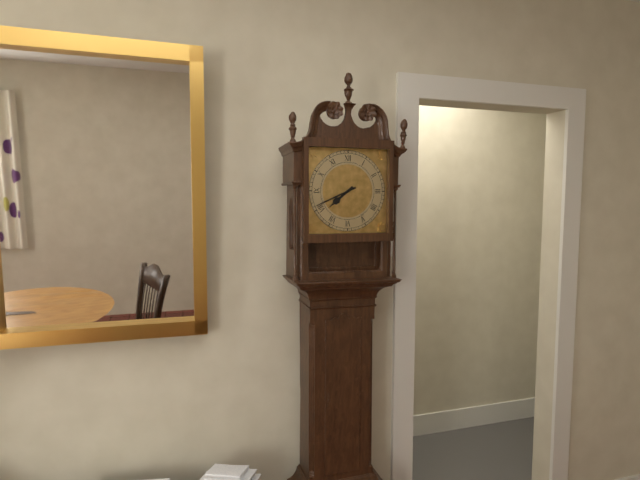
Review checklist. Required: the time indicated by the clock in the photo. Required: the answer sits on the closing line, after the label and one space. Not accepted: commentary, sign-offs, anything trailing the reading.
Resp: 7:41
